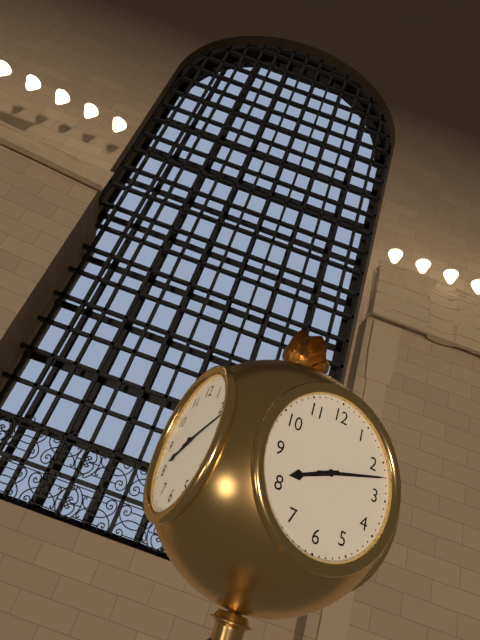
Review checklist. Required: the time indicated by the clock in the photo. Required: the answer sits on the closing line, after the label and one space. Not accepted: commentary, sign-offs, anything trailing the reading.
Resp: 8:12
